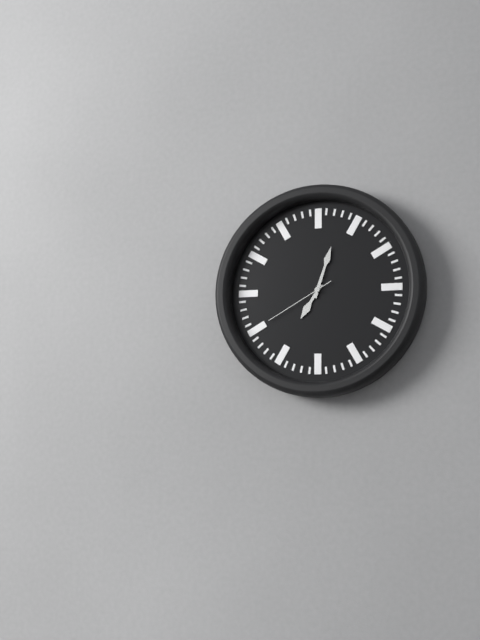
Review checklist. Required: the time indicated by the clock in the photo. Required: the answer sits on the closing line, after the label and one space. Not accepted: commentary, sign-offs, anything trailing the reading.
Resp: 7:03:40
